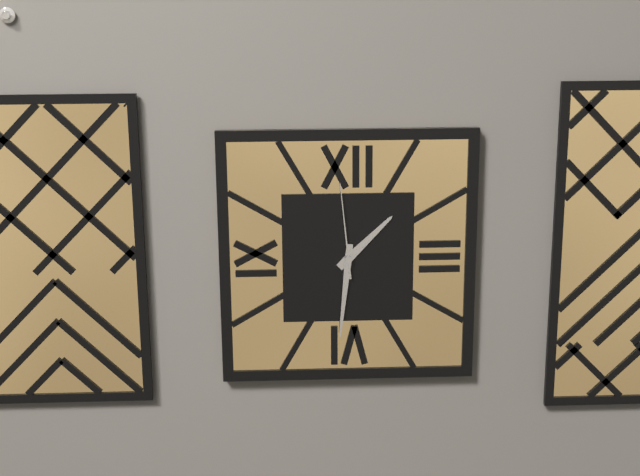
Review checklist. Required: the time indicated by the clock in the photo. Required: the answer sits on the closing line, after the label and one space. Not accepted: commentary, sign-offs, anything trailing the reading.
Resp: 1:31:59
